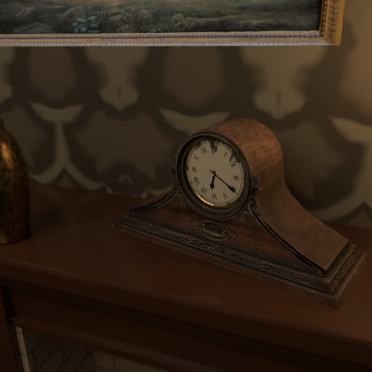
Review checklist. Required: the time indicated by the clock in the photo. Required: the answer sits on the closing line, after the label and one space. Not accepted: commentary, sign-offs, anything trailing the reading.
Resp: 6:20
